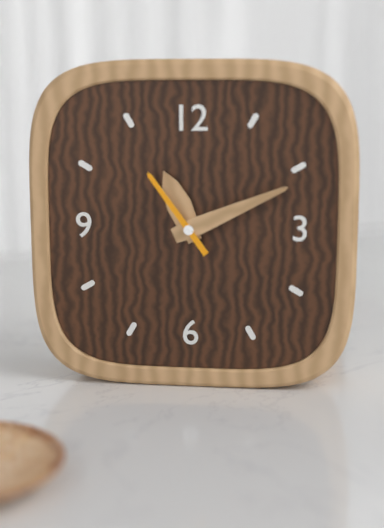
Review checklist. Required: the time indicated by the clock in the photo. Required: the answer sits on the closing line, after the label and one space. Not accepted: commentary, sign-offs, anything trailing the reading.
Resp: 11:11:54
